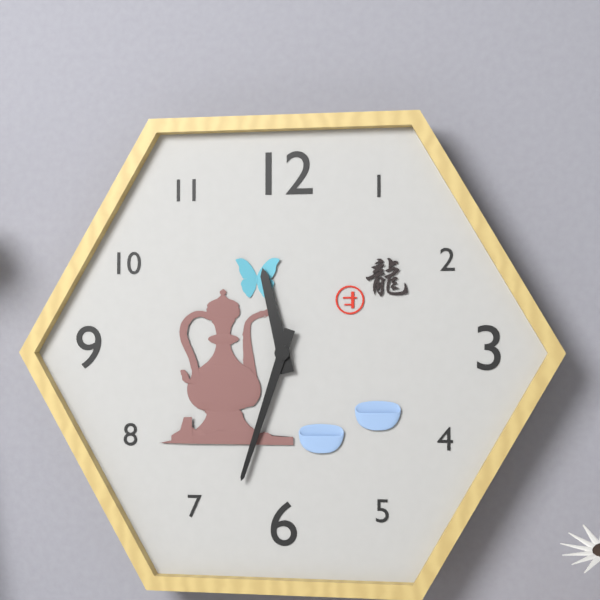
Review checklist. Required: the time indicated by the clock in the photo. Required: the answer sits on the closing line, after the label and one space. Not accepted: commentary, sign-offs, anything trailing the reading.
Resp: 11:33
